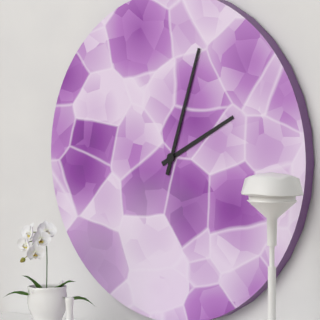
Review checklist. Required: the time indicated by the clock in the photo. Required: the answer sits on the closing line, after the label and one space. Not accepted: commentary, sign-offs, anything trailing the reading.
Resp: 2:03
